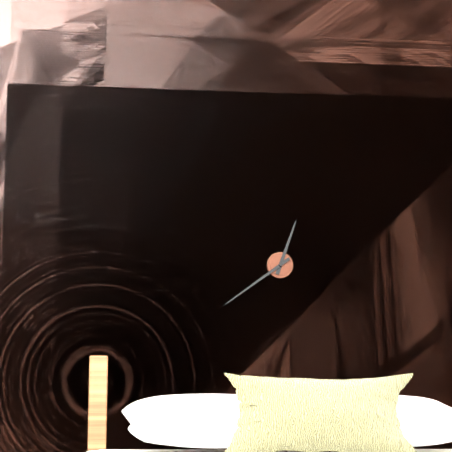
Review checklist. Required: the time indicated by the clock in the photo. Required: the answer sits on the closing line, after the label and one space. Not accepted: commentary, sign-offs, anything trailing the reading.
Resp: 12:39
